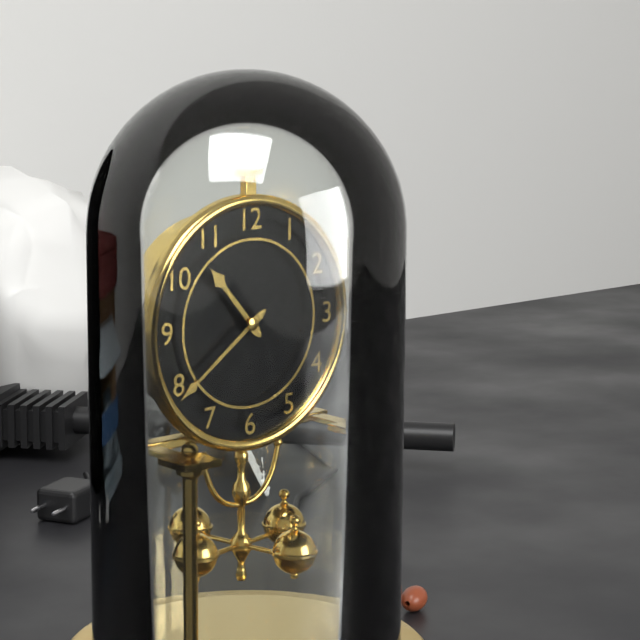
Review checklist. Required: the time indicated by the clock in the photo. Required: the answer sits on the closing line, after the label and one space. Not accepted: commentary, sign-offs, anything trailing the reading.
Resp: 10:39
